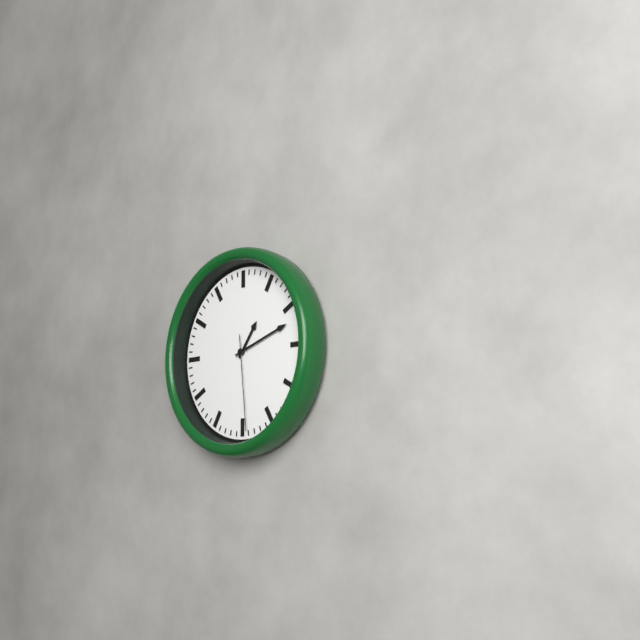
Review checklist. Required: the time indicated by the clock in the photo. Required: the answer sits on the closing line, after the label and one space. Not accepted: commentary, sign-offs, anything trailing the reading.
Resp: 1:12:29
